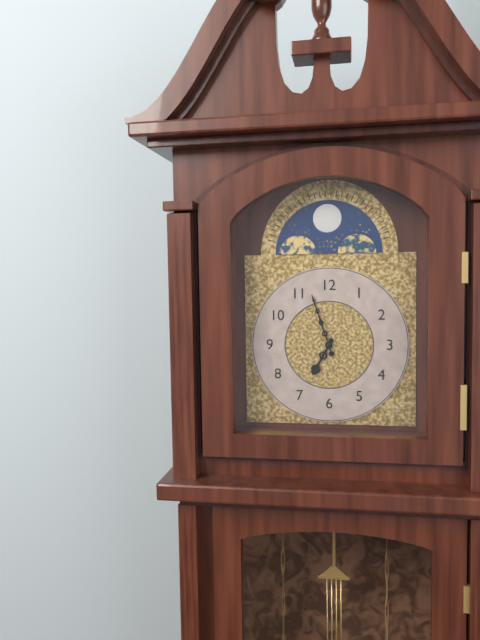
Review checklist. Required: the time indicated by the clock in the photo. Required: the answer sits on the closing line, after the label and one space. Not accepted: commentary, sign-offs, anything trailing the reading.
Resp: 6:57
